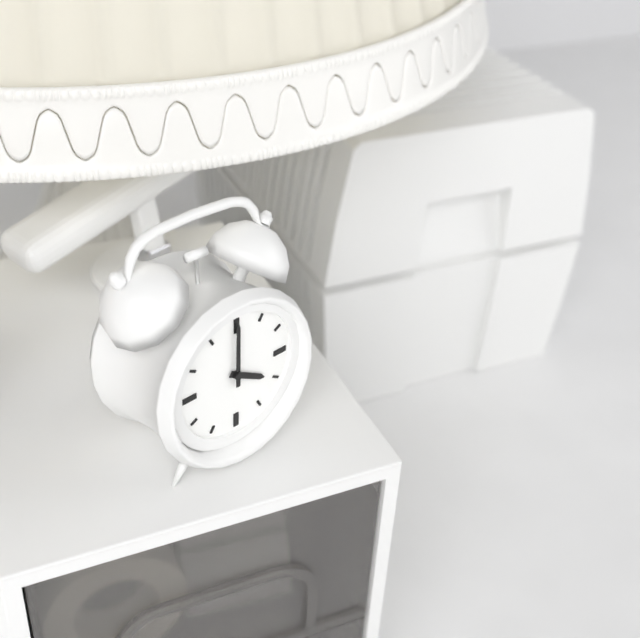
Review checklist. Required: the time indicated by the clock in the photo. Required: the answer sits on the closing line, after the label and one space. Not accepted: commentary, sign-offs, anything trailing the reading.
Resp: 4:00
